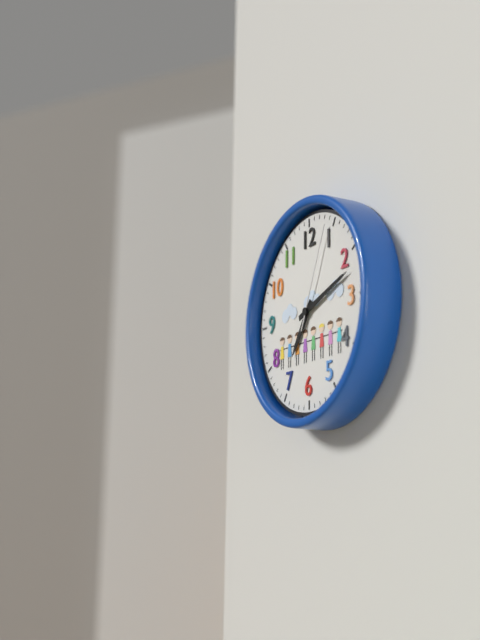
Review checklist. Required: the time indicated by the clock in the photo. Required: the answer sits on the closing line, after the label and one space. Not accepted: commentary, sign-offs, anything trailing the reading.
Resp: 7:12:04
